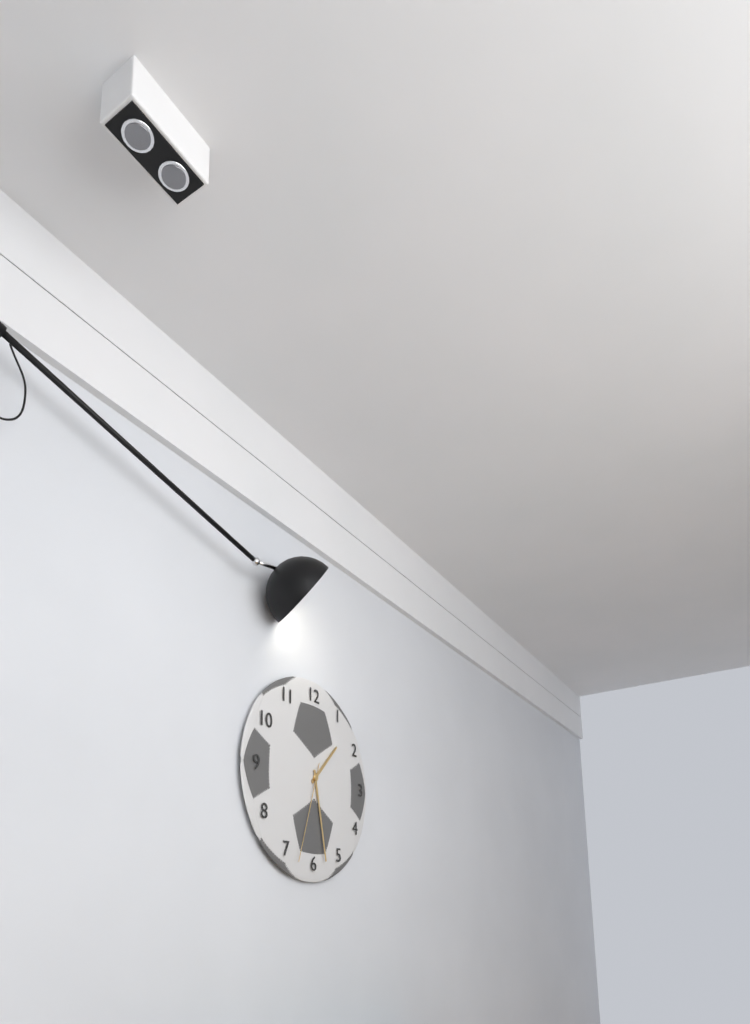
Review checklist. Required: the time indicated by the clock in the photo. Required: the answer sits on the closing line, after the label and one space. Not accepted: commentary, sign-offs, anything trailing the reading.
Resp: 1:28:33
